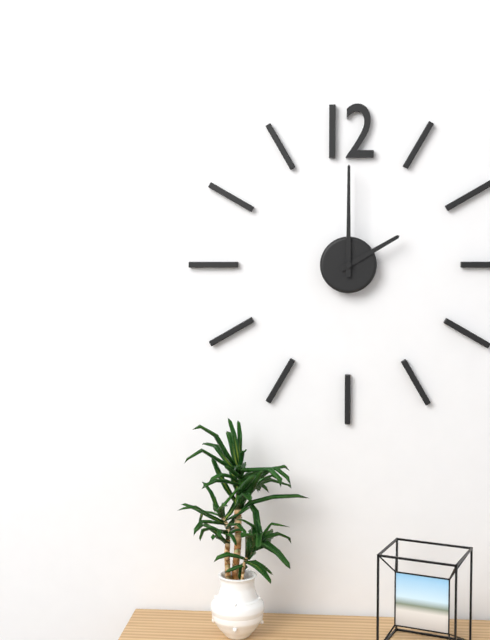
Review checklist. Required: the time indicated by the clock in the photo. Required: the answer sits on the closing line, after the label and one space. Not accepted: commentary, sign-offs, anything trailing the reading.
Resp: 2:00
